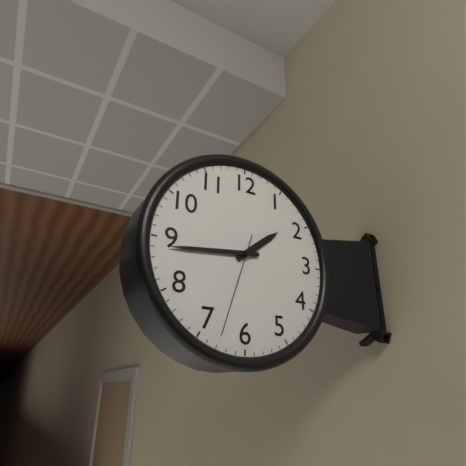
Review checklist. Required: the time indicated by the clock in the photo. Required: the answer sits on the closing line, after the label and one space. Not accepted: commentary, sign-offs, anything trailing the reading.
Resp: 1:44:33
